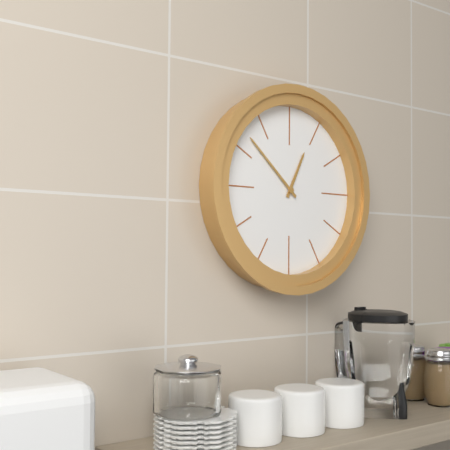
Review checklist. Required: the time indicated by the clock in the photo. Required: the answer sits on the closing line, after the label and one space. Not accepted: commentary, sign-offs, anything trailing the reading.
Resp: 12:52
